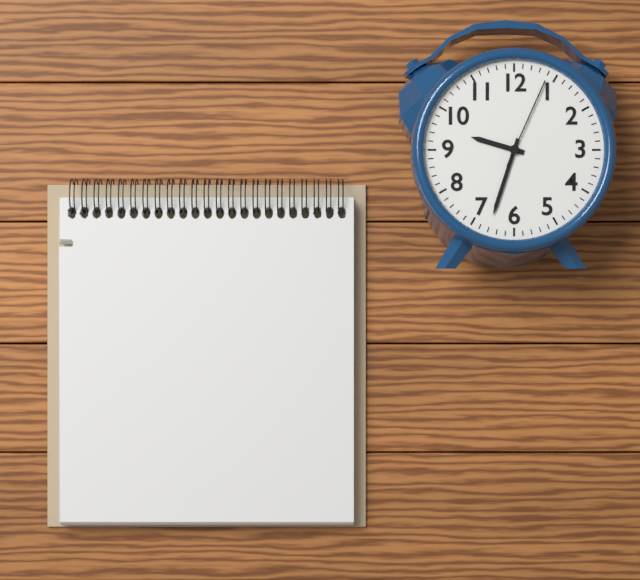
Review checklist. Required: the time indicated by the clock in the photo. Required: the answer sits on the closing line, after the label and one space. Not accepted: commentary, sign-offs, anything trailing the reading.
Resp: 9:33:04
